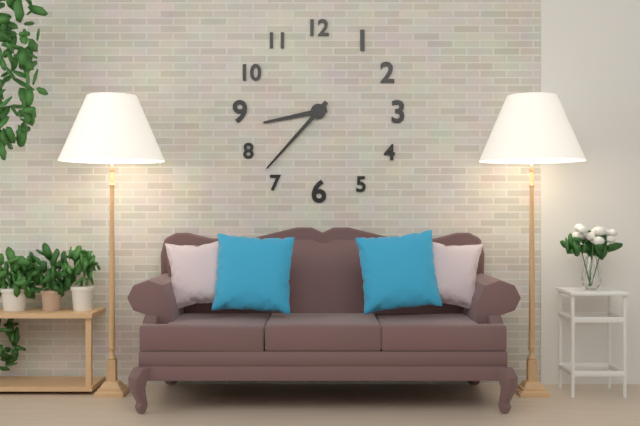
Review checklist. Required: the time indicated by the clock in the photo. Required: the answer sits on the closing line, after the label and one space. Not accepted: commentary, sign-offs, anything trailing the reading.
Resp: 8:37
